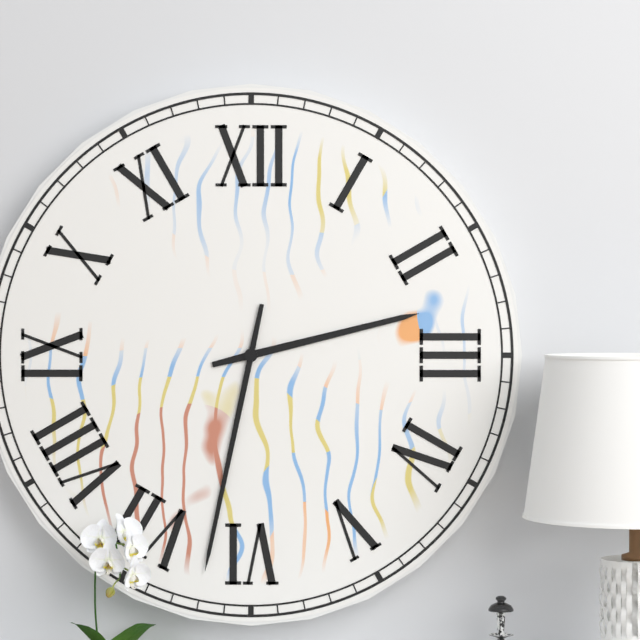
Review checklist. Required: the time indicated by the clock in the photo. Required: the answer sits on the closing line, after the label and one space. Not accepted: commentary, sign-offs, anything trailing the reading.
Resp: 2:32
